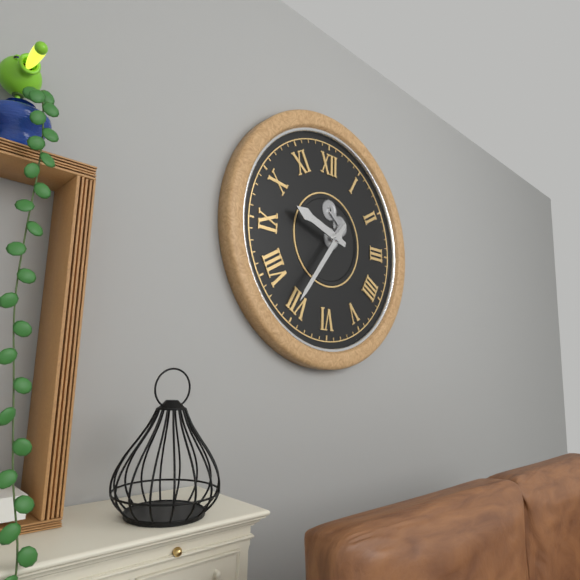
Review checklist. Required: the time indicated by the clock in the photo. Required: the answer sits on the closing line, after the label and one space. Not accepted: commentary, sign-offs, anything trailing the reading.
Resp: 9:36
